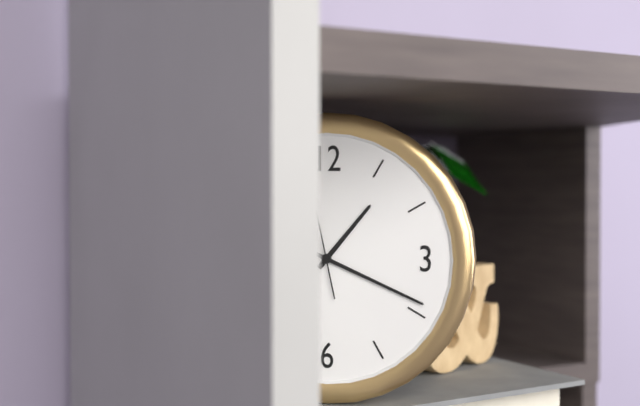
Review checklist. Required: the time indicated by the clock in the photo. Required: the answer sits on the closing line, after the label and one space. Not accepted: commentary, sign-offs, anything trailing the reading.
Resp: 1:19
